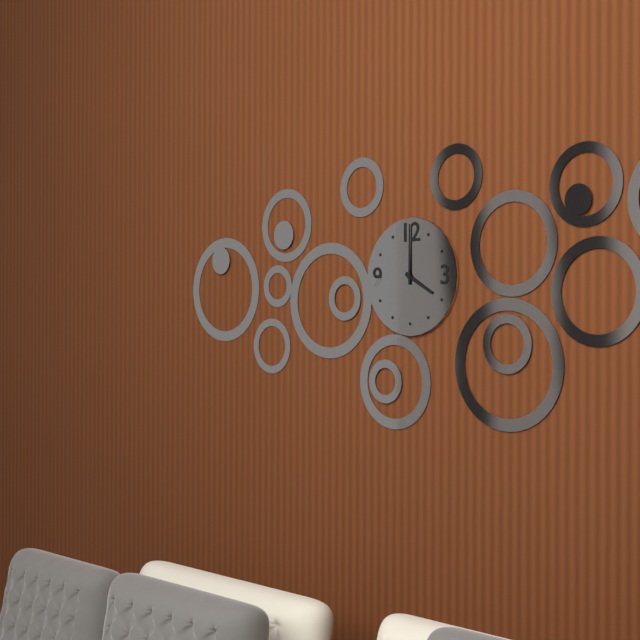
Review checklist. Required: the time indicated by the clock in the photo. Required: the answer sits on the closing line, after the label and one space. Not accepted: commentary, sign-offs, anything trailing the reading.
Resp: 4:00
